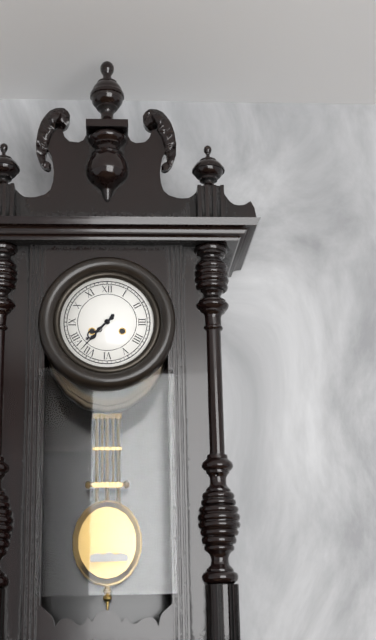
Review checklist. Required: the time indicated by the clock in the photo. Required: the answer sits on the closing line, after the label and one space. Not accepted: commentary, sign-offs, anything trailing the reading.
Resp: 7:37
